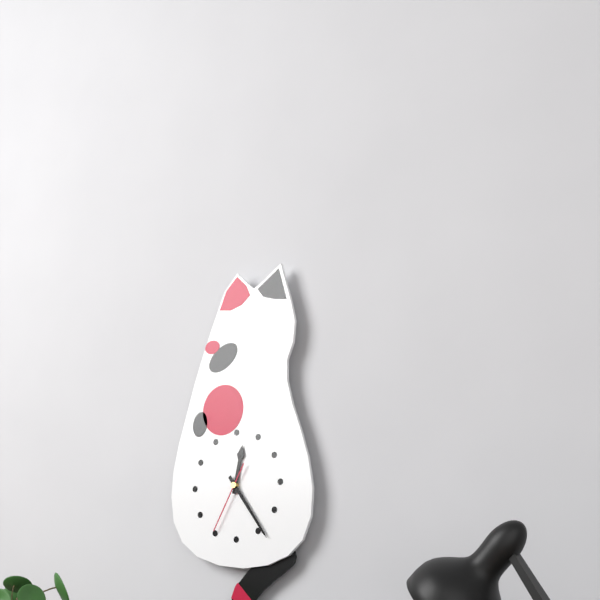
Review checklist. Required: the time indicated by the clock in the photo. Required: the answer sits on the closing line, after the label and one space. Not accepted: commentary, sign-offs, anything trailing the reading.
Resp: 12:24:35
